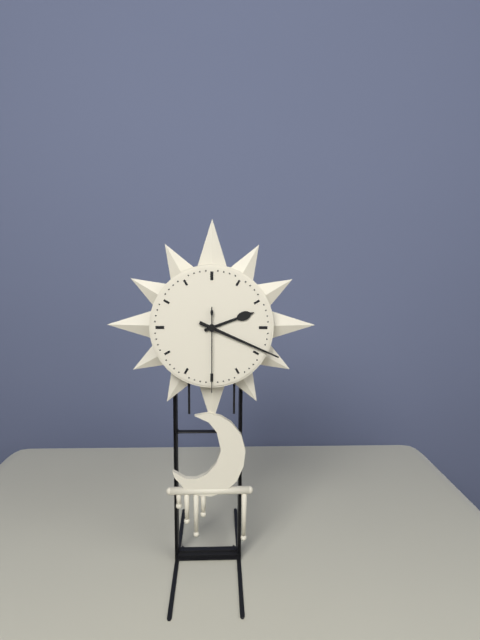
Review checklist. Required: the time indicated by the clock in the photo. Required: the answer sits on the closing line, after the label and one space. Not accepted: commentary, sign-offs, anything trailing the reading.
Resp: 2:19:30
